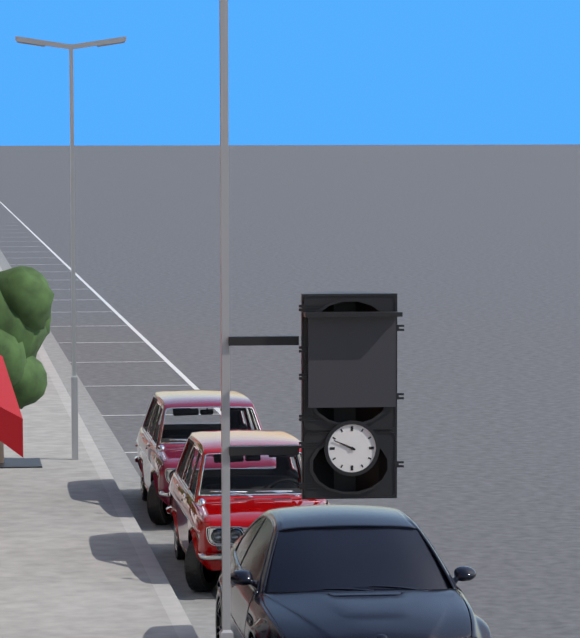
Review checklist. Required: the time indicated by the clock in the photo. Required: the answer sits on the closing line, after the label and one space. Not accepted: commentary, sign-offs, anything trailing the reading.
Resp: 9:49
